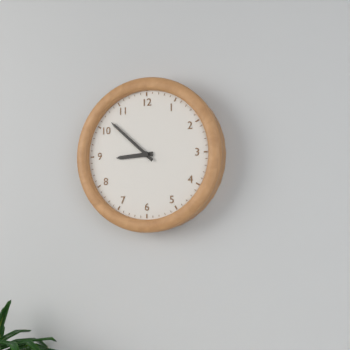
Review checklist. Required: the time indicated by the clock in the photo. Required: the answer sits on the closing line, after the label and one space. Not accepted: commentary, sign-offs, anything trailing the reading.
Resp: 8:52
